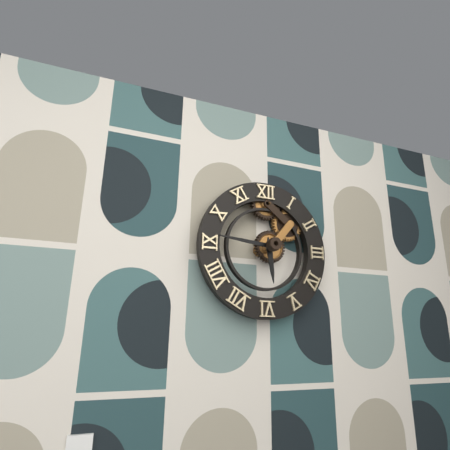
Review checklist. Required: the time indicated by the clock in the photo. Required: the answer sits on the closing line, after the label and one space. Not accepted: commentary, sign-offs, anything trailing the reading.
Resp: 5:46
